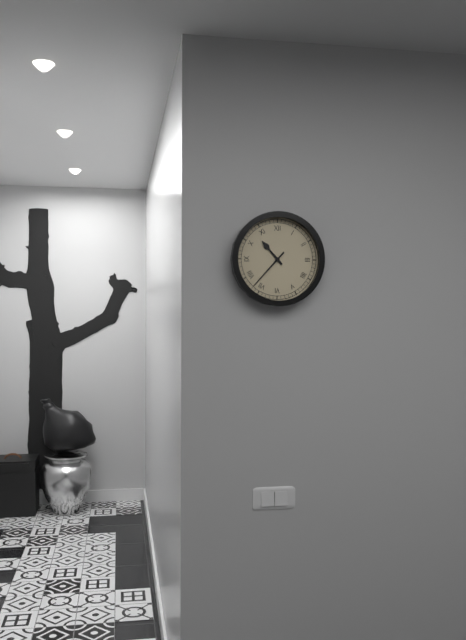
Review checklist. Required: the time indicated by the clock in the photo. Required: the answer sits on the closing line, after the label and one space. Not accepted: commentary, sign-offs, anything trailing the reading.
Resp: 10:37
